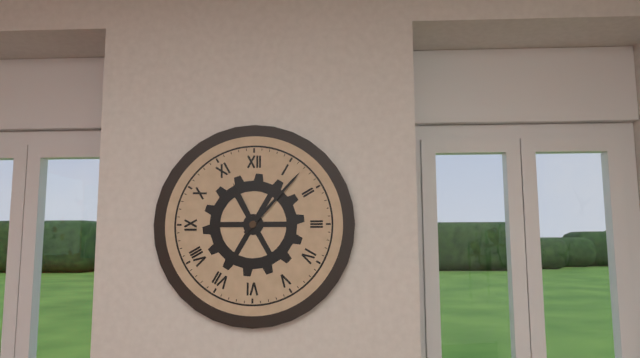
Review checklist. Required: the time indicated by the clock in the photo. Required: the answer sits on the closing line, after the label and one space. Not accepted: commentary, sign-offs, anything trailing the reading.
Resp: 11:07
